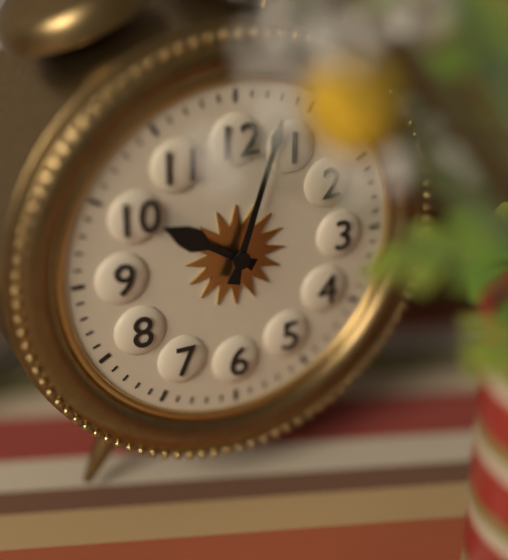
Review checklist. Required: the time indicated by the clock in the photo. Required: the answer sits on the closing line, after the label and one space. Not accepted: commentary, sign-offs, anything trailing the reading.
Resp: 10:03
